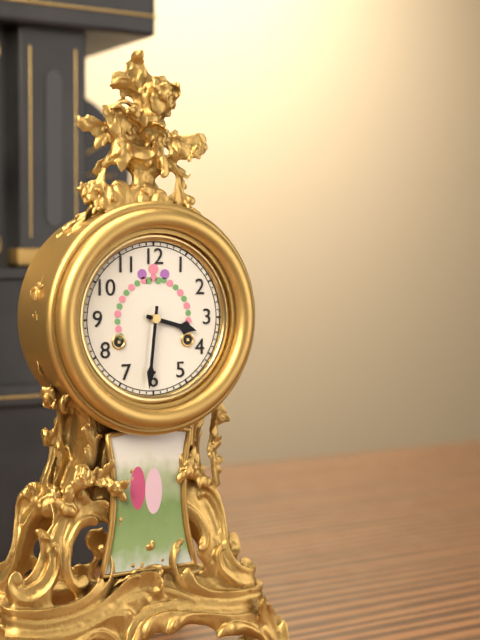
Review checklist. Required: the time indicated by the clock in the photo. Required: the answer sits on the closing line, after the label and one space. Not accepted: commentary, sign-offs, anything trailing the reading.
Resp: 3:31
